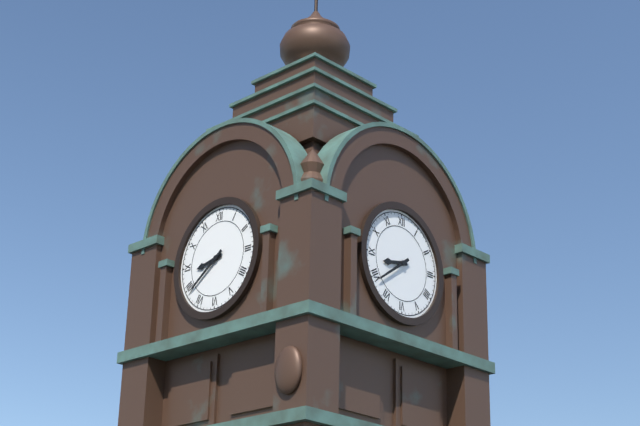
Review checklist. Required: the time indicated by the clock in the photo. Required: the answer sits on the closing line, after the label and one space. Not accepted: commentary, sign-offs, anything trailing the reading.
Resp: 8:39
